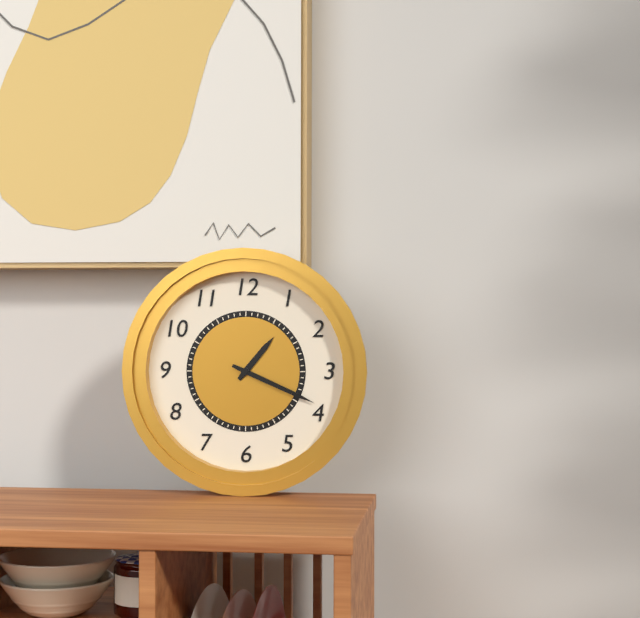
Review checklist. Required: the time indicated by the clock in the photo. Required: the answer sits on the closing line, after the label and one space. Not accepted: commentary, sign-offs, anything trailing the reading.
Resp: 1:19
